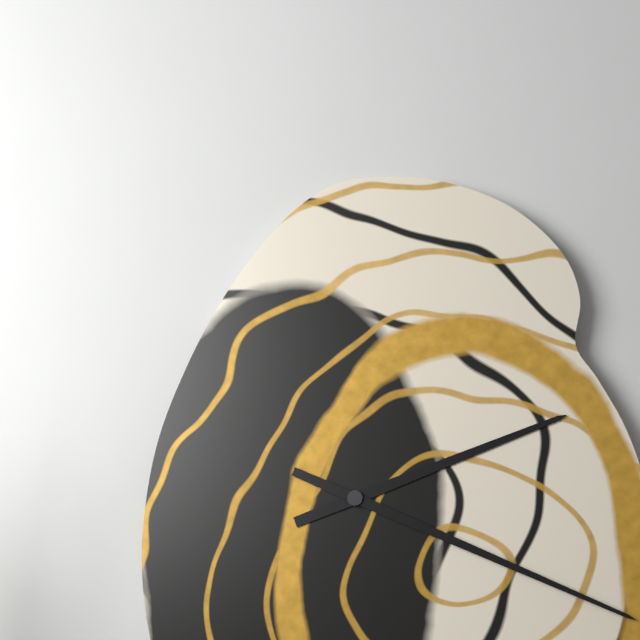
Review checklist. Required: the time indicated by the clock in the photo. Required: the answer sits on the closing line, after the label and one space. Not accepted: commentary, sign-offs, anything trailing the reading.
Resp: 2:19
